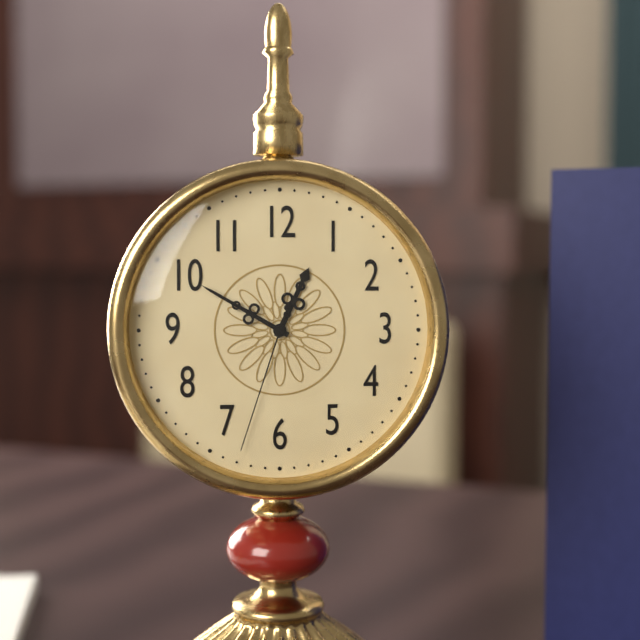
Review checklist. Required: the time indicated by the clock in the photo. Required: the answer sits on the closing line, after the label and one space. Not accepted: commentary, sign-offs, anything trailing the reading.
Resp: 12:50:33
